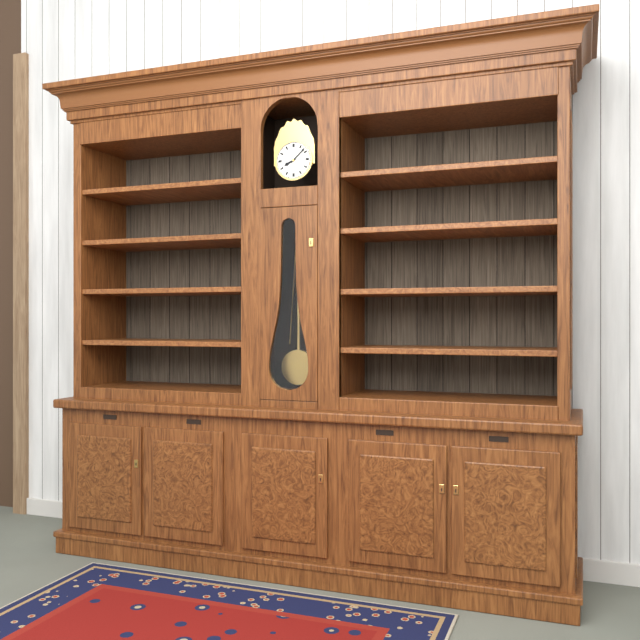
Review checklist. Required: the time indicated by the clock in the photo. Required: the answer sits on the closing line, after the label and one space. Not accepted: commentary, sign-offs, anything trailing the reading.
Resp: 8:08
